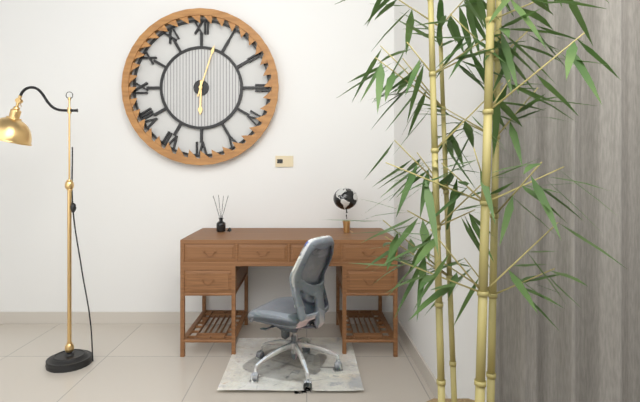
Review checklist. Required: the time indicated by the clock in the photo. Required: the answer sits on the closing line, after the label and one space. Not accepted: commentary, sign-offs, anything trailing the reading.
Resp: 6:03
